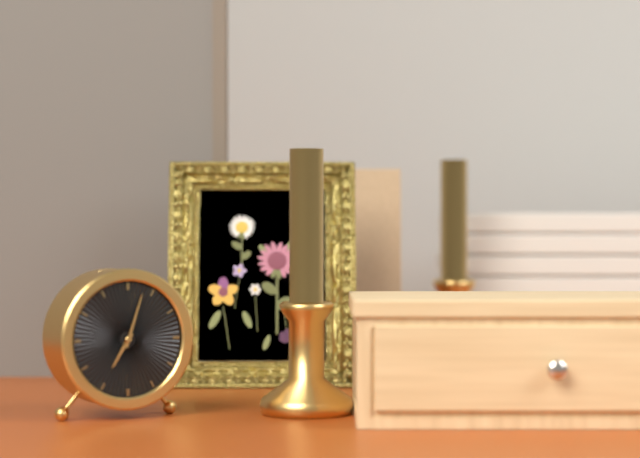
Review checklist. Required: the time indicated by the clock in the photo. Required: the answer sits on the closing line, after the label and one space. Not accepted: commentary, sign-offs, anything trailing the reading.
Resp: 7:03
